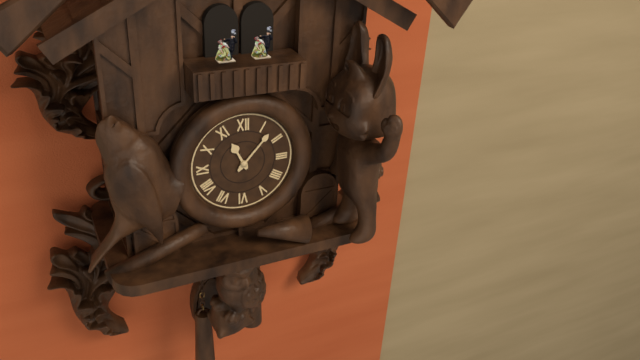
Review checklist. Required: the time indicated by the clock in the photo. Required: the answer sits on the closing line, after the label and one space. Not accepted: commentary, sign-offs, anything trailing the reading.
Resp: 11:07
